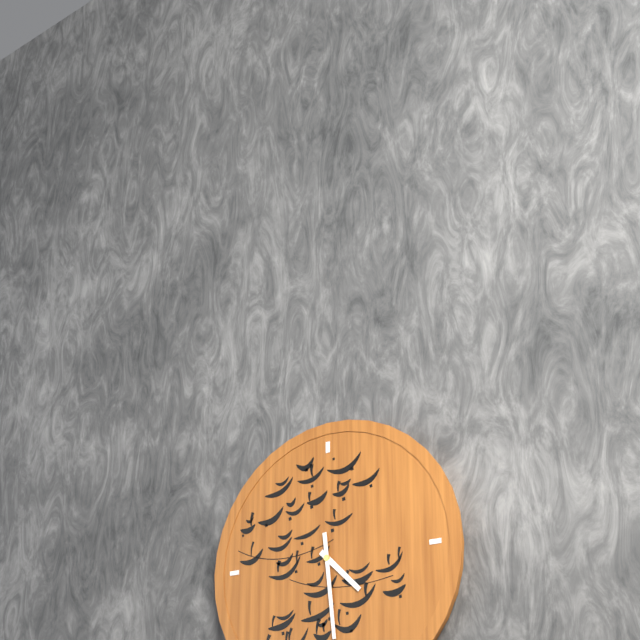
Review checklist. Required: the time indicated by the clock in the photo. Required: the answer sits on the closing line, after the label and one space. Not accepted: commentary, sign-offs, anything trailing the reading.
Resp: 4:29
